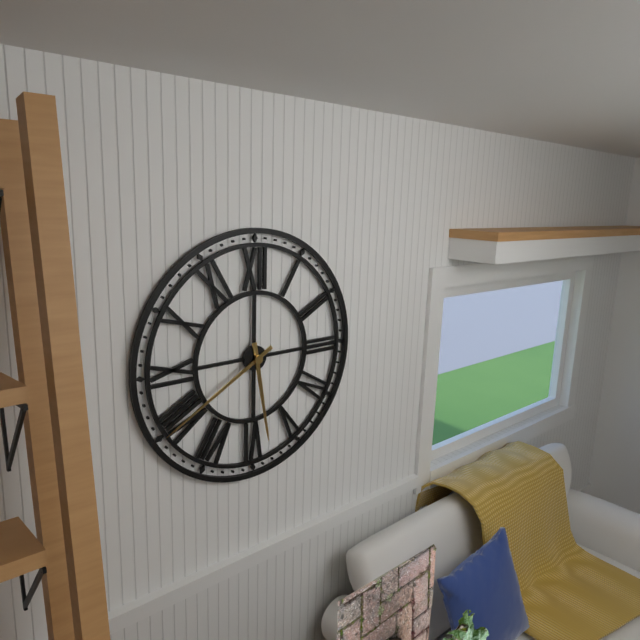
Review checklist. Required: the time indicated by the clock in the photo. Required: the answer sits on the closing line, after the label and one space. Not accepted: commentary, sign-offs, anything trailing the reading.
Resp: 5:40
